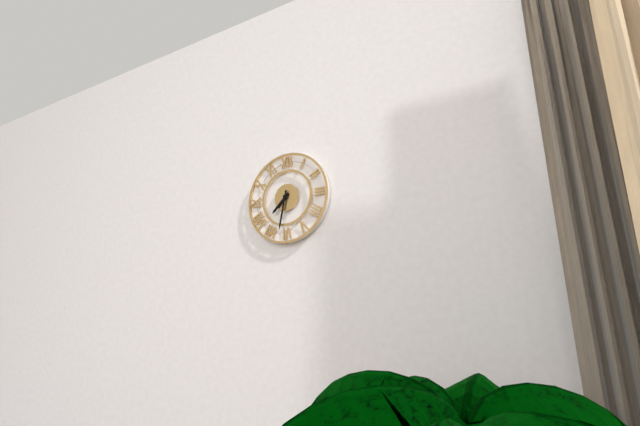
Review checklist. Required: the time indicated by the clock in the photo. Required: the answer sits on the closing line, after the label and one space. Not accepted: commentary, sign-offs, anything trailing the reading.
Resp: 7:32
